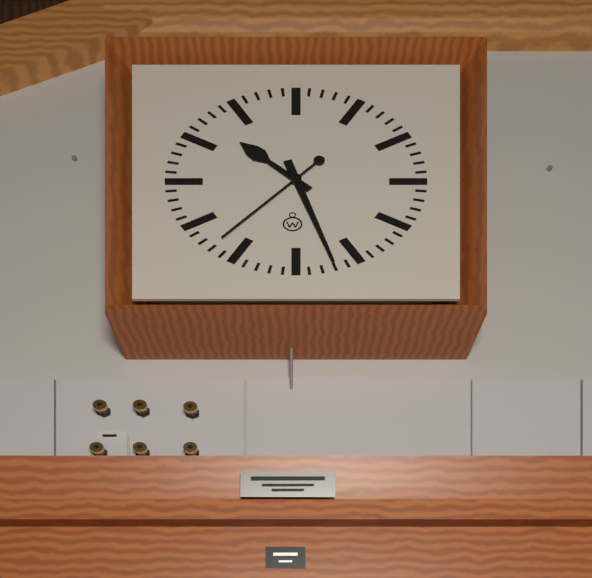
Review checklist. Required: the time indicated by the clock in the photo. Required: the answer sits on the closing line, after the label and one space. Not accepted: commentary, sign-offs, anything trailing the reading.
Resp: 10:27:37
